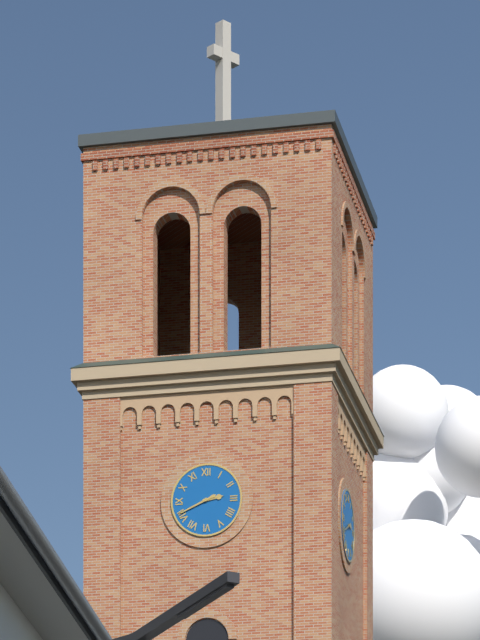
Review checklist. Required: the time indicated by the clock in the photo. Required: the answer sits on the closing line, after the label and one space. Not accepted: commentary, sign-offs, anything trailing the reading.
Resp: 2:41
